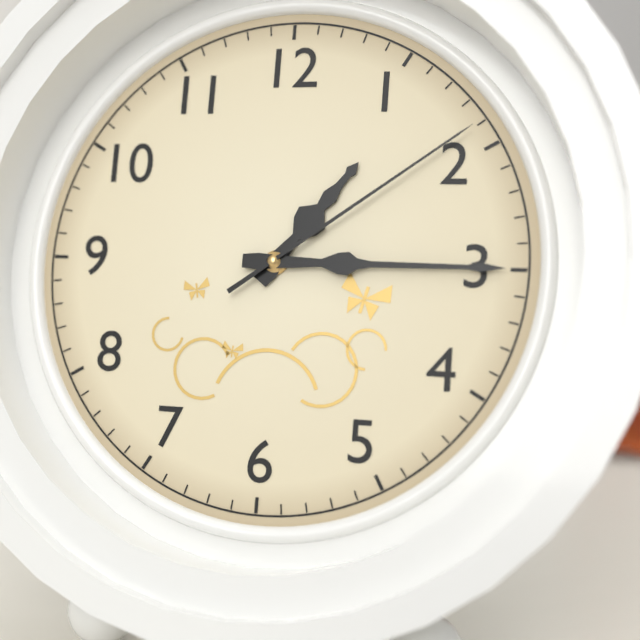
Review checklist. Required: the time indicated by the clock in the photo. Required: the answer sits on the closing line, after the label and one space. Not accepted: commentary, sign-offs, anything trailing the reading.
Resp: 1:15:09
